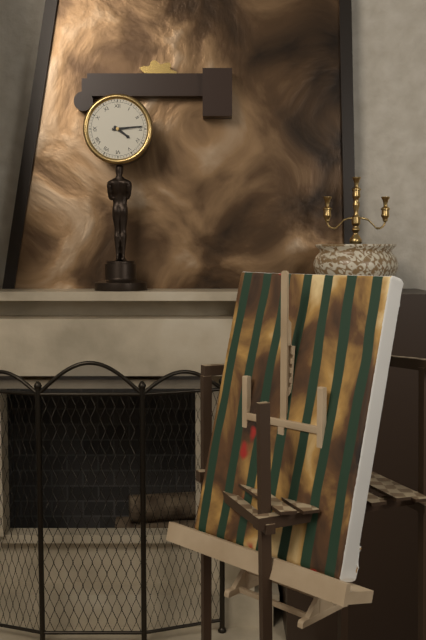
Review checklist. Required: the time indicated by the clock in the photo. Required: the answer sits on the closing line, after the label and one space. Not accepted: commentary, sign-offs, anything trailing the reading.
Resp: 4:14
